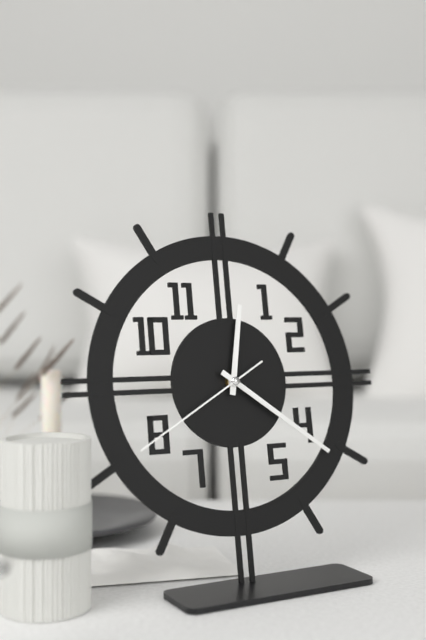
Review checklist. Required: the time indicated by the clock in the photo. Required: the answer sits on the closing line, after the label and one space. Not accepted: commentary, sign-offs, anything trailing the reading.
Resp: 12:21:40
